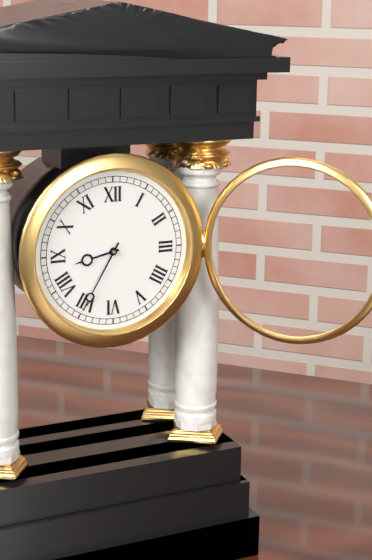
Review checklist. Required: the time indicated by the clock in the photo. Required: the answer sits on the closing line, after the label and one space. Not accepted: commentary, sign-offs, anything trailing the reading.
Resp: 8:35
